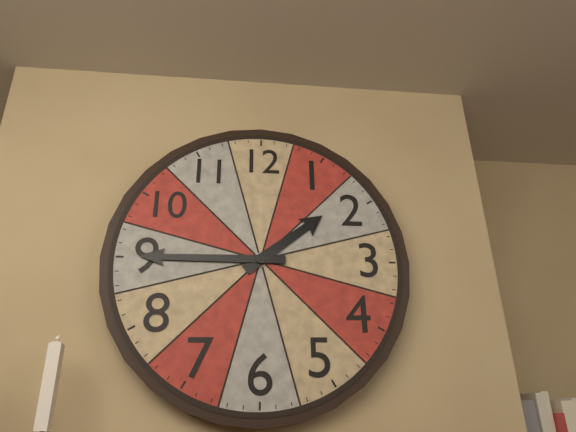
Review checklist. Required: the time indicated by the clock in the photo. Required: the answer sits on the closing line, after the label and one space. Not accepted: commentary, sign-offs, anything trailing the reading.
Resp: 1:45
